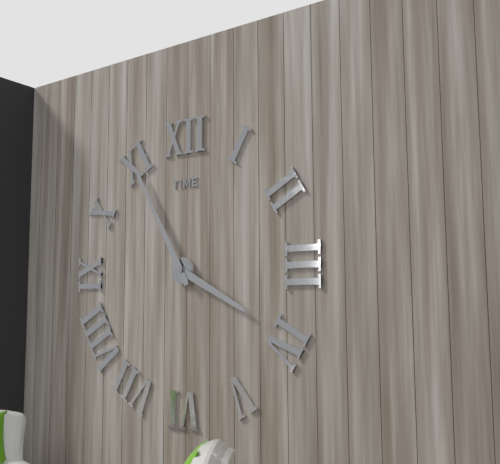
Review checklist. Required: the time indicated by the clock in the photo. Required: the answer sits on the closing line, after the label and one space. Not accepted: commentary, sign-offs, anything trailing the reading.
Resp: 3:55
